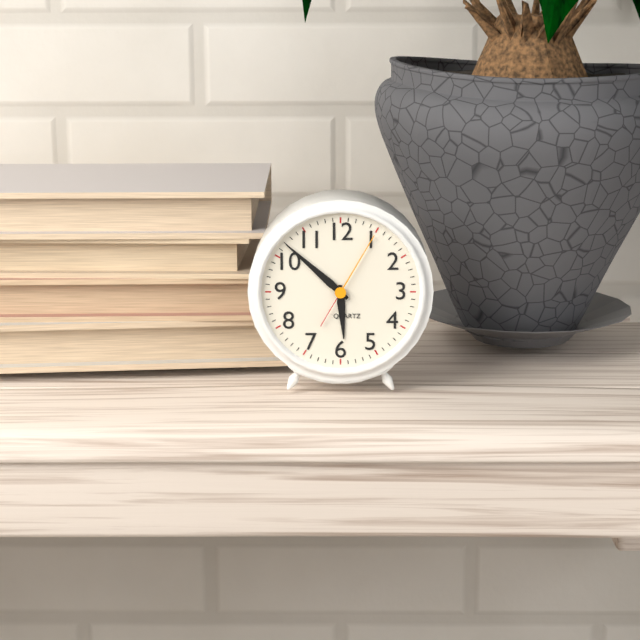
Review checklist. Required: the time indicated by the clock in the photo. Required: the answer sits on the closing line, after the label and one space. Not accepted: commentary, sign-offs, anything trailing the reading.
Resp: 5:52:05
